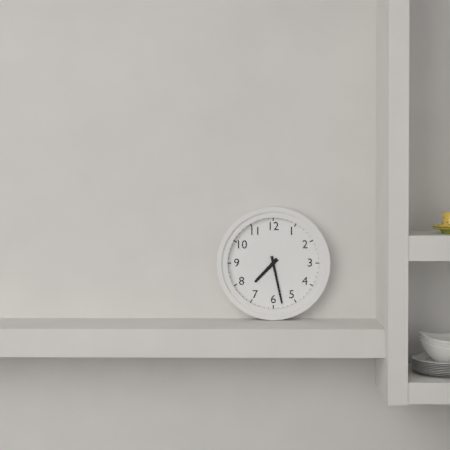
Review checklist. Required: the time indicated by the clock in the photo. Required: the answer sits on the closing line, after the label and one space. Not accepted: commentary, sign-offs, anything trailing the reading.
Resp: 7:28
